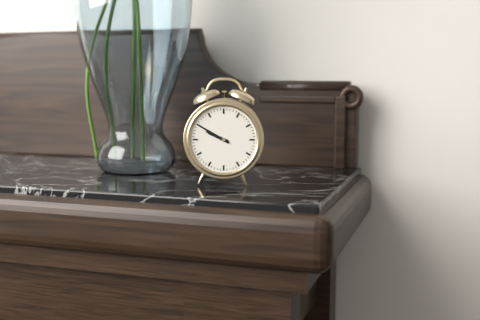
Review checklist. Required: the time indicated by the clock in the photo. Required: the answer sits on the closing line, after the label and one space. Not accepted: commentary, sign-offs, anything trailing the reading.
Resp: 9:50
